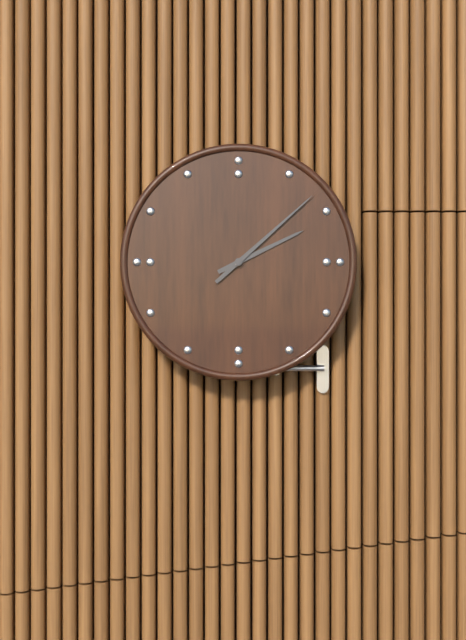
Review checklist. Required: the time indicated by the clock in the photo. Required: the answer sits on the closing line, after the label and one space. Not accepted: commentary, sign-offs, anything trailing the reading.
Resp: 2:08
